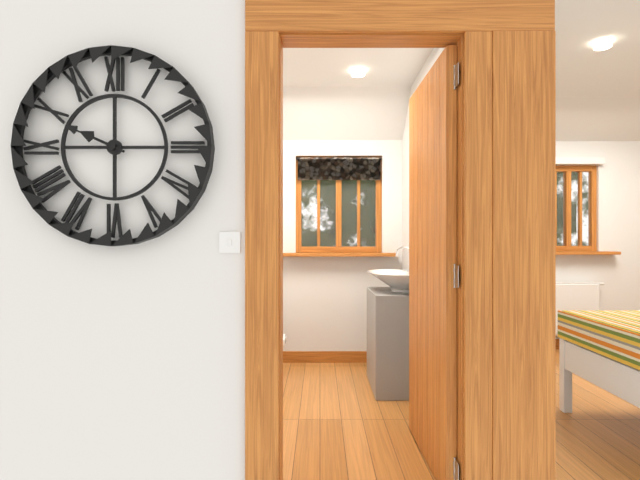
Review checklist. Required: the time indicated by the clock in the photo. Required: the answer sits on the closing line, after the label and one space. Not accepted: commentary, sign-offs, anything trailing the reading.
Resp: 9:49
